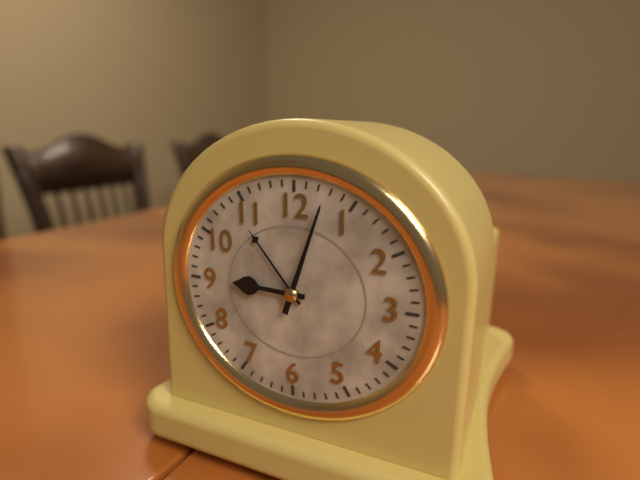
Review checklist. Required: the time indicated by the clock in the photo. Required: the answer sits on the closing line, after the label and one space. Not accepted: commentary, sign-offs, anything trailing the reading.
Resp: 9:03
